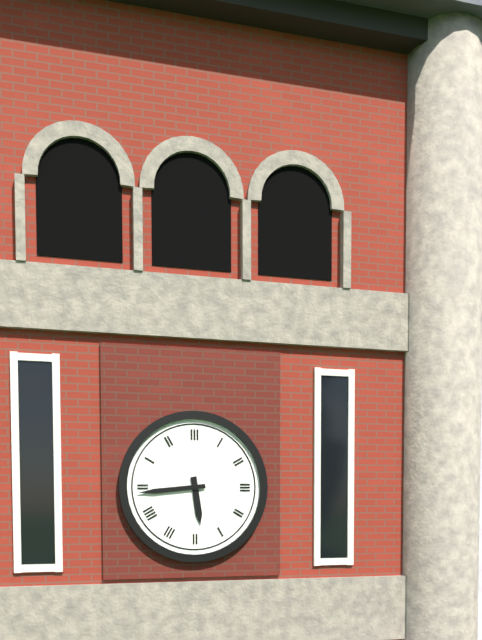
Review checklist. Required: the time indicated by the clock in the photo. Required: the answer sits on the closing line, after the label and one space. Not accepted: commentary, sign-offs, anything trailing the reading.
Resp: 5:44
